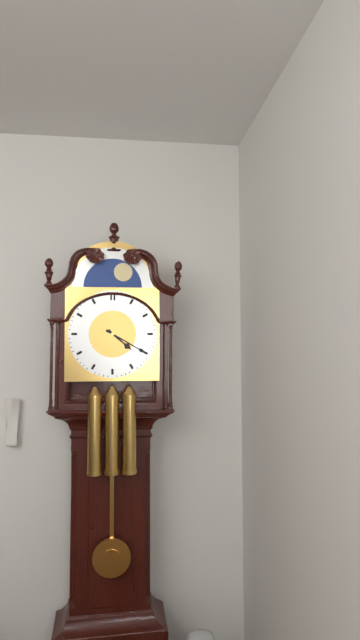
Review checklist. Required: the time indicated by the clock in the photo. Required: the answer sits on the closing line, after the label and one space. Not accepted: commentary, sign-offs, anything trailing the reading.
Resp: 4:20
